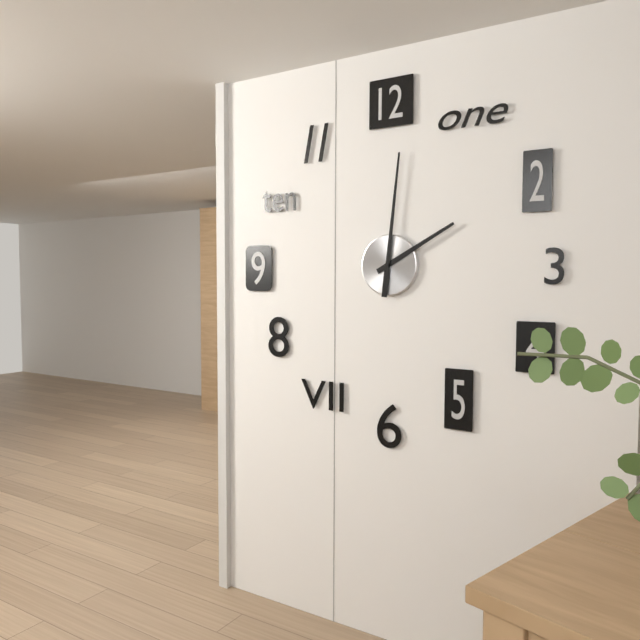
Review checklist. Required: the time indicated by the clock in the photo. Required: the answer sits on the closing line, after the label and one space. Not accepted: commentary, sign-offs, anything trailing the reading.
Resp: 2:01
